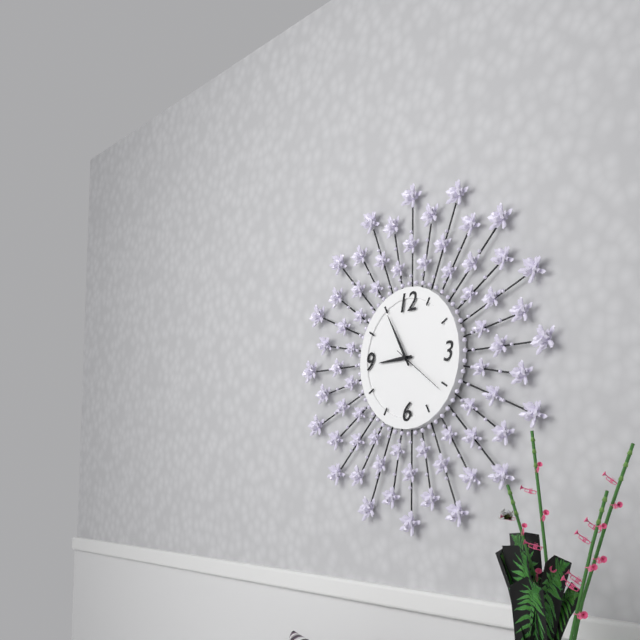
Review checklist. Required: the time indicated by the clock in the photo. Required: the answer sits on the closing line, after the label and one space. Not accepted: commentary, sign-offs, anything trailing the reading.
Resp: 8:55:21
